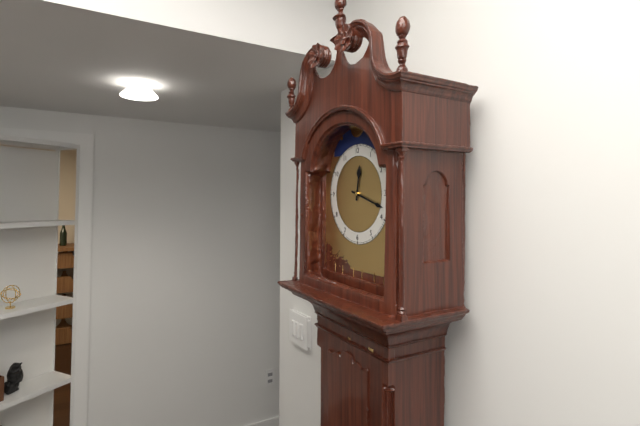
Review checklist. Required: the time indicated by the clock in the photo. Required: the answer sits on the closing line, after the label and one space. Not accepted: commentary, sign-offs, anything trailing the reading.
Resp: 12:18
